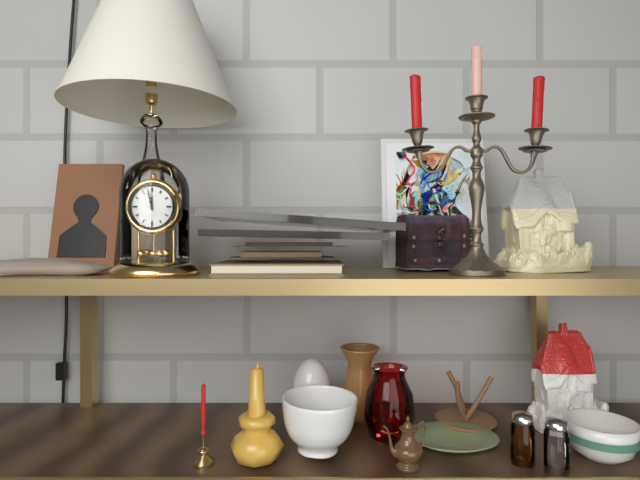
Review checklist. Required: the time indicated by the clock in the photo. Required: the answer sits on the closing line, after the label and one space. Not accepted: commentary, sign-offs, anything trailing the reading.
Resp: 11:58
